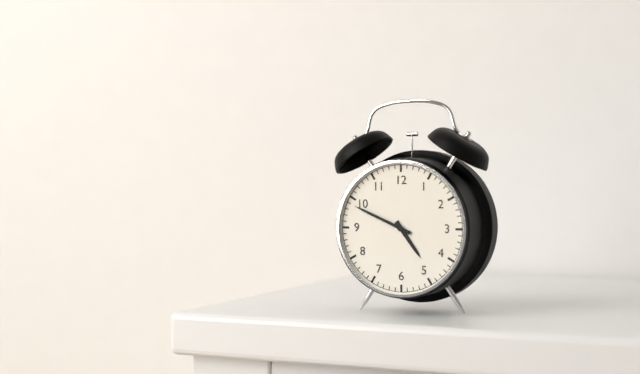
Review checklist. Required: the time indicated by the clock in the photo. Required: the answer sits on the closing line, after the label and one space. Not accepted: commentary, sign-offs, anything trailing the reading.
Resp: 4:49
